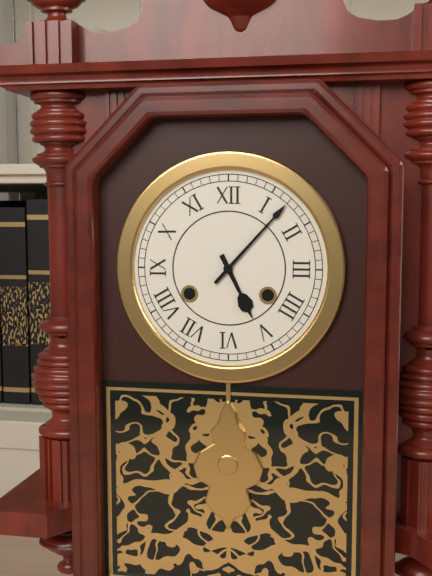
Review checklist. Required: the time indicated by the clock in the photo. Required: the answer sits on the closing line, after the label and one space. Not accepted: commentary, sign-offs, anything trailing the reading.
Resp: 5:07
